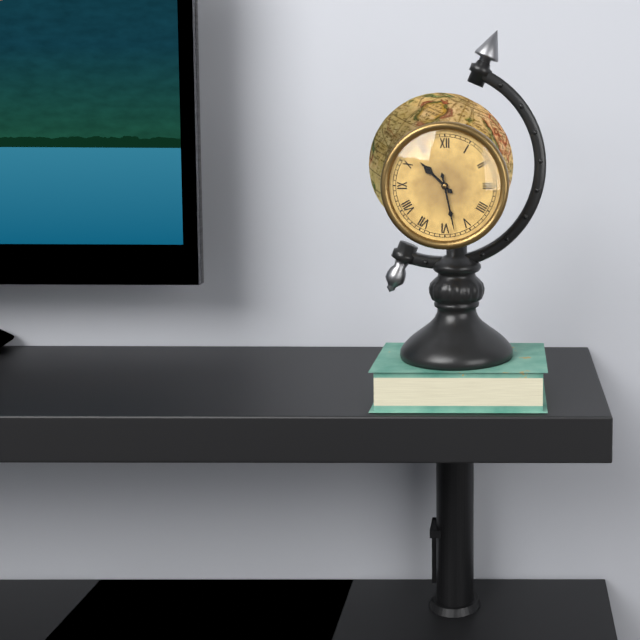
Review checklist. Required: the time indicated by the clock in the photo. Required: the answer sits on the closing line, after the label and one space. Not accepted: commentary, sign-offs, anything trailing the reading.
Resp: 10:28
